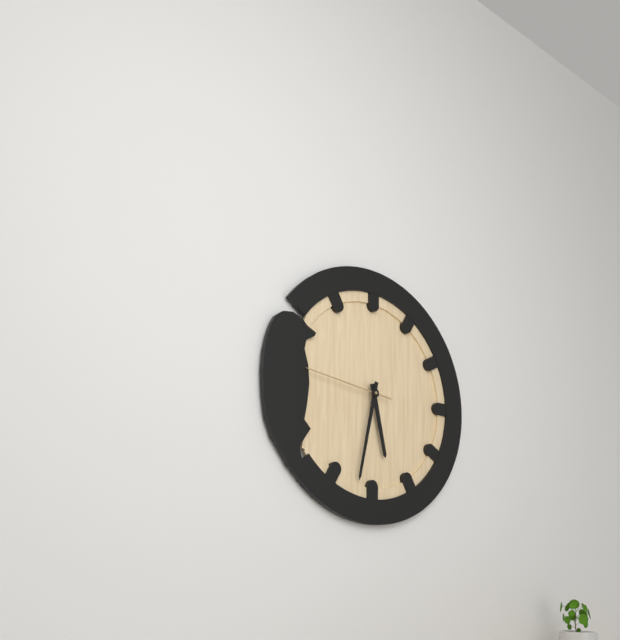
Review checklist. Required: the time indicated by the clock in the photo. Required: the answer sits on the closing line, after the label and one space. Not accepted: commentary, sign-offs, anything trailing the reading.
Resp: 5:32:46
